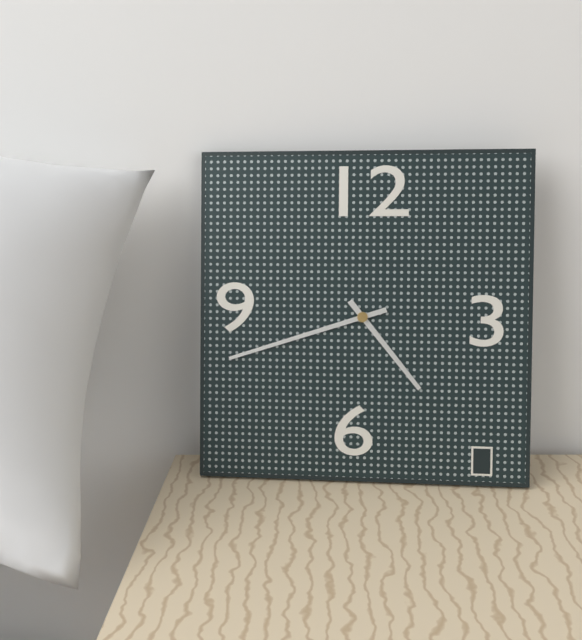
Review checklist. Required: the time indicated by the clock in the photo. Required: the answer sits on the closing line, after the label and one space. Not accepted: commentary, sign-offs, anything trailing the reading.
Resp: 4:42
